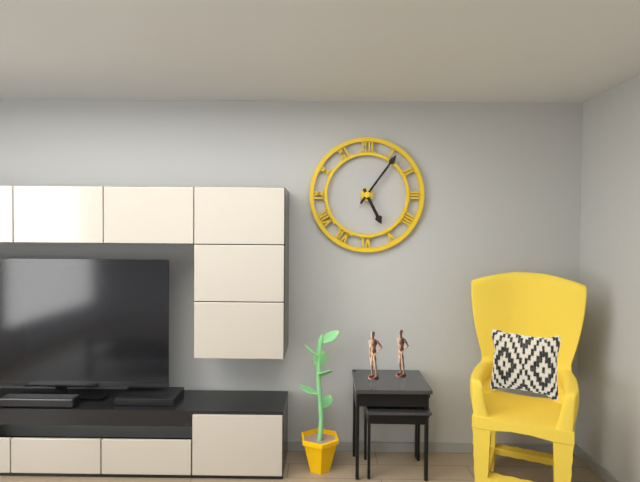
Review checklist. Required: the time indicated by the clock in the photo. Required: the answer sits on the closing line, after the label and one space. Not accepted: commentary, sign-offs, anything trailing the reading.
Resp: 5:06
